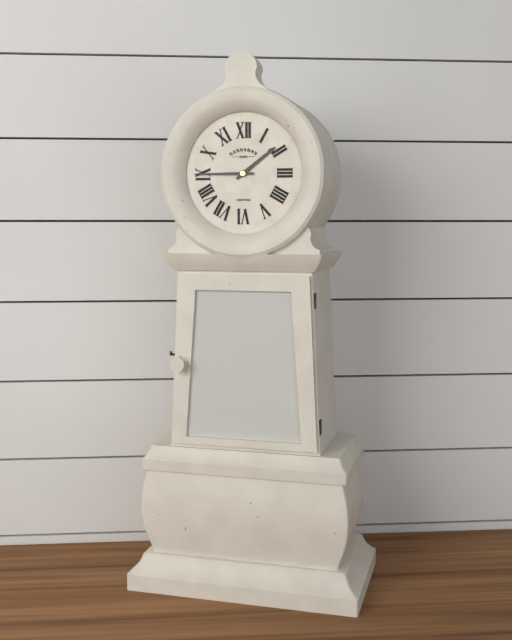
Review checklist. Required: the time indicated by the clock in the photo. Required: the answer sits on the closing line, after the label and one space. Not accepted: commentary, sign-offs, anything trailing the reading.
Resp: 1:45
